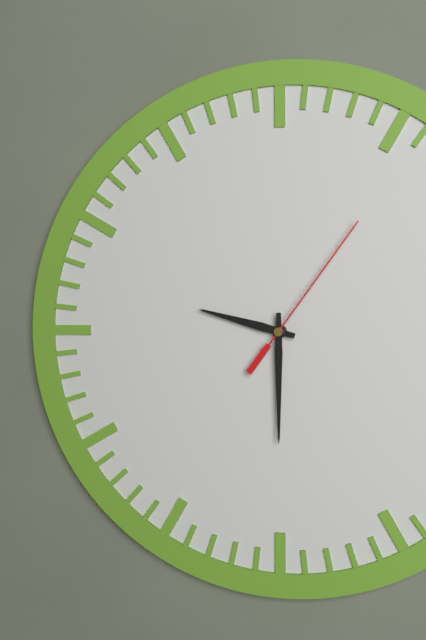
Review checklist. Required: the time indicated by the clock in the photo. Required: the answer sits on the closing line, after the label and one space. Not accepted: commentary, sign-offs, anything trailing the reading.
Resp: 9:30:06
